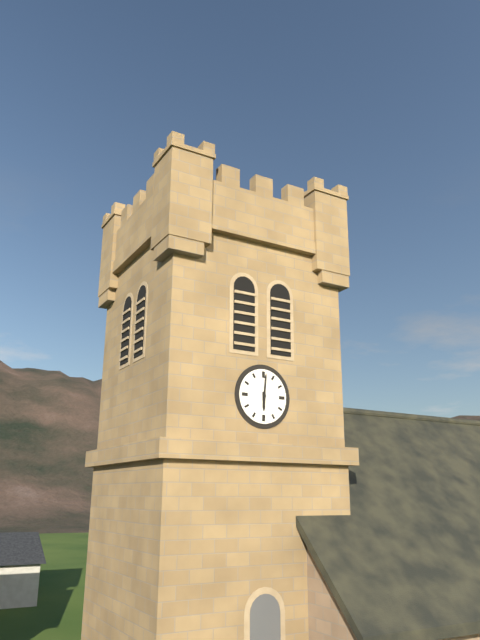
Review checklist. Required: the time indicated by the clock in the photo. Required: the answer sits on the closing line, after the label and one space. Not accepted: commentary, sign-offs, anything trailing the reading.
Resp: 6:01
